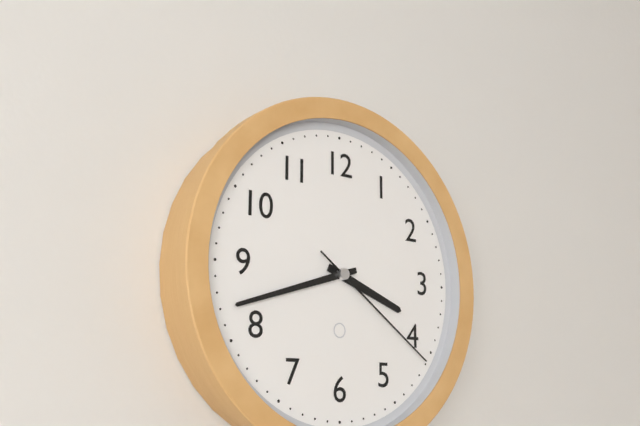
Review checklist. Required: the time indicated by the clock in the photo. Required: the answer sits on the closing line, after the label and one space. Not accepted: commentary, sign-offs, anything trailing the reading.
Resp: 3:42:21
